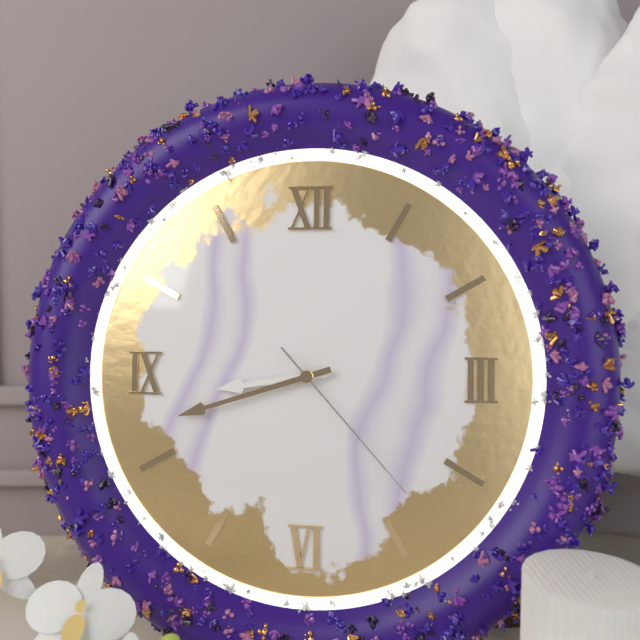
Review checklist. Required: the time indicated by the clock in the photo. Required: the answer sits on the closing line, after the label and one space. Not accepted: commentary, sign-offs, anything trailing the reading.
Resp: 8:42:23
